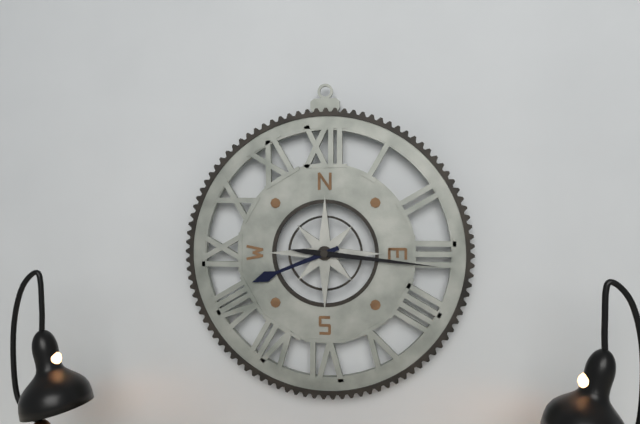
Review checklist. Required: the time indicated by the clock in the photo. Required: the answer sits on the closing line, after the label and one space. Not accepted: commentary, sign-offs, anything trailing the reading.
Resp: 8:16
